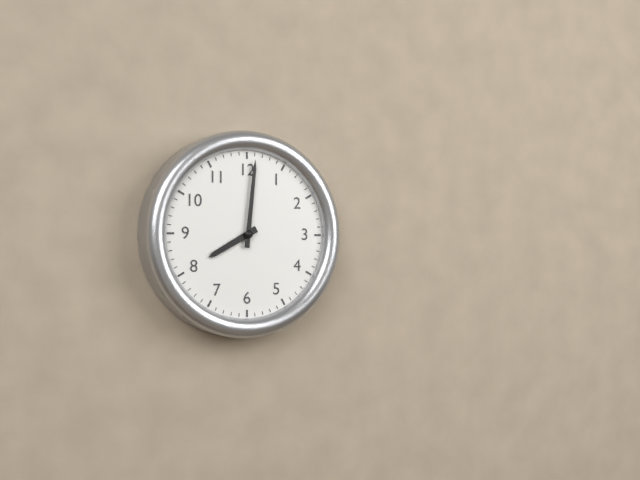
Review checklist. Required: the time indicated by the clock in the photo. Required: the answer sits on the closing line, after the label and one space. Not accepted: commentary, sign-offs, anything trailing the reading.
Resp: 8:01
